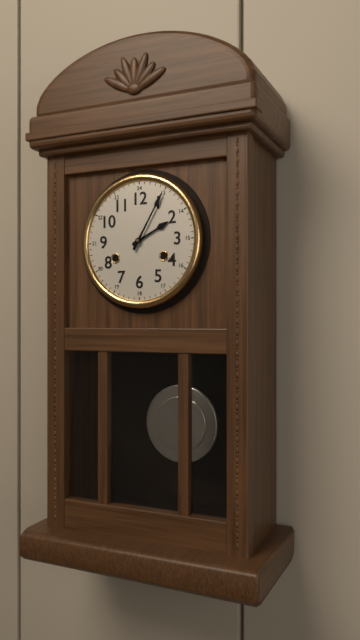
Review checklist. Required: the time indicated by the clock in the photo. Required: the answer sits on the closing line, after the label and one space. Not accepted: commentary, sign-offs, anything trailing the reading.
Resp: 2:05
